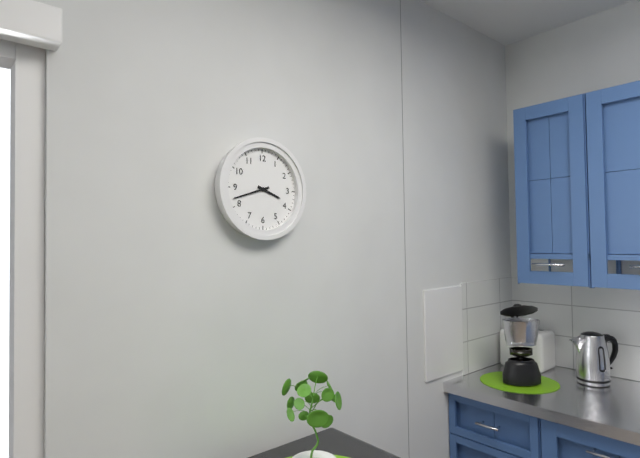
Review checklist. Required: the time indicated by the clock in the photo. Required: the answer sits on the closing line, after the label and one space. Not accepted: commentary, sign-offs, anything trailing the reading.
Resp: 3:42
